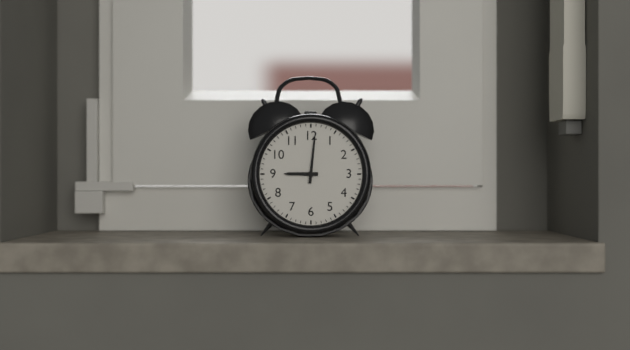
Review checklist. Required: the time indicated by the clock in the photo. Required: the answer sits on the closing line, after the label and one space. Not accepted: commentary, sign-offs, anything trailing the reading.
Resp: 9:01
